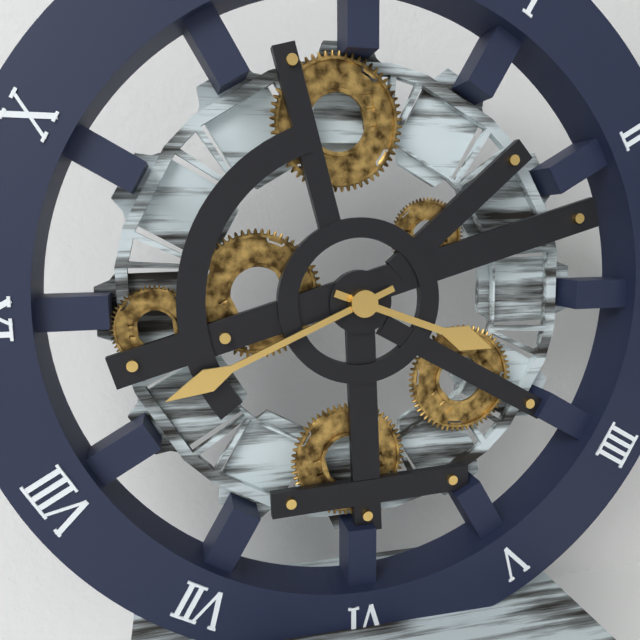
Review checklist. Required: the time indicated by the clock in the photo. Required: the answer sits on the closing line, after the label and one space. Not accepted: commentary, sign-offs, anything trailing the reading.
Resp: 3:41
